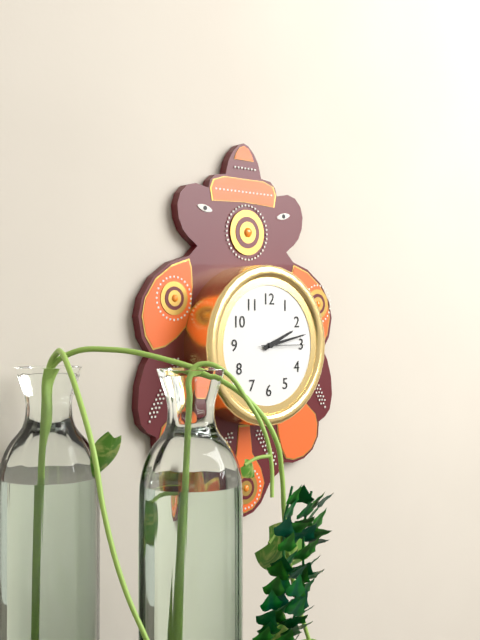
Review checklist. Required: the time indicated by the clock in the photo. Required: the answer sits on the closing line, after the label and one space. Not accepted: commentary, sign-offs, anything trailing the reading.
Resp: 2:13
